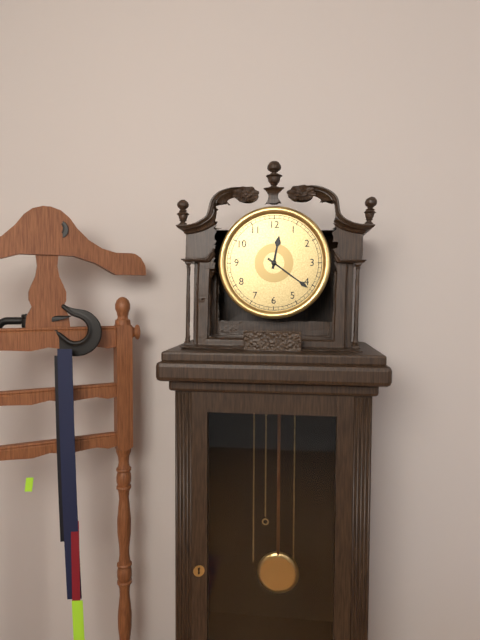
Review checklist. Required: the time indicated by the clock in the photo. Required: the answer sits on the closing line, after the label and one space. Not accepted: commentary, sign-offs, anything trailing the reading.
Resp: 12:21
